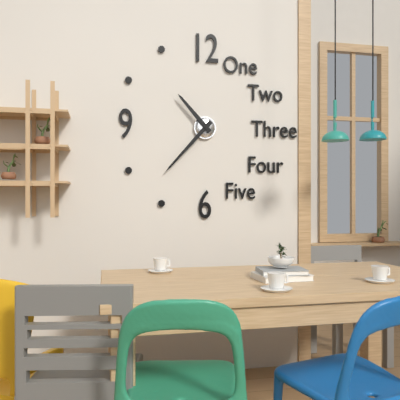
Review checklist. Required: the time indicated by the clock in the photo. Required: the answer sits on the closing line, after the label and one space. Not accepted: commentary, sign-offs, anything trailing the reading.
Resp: 10:37
